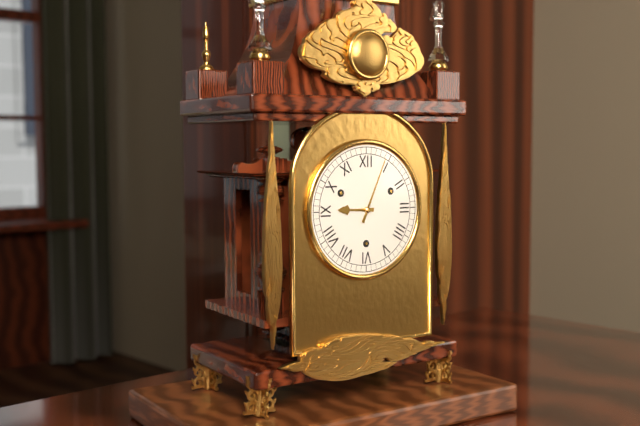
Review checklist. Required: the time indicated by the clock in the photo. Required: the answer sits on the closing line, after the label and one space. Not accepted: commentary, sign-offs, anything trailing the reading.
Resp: 9:04
